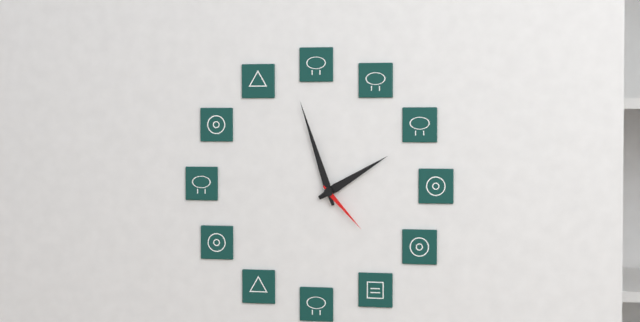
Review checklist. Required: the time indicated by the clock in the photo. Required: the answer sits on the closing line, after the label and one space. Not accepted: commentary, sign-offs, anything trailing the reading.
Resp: 1:57:23
